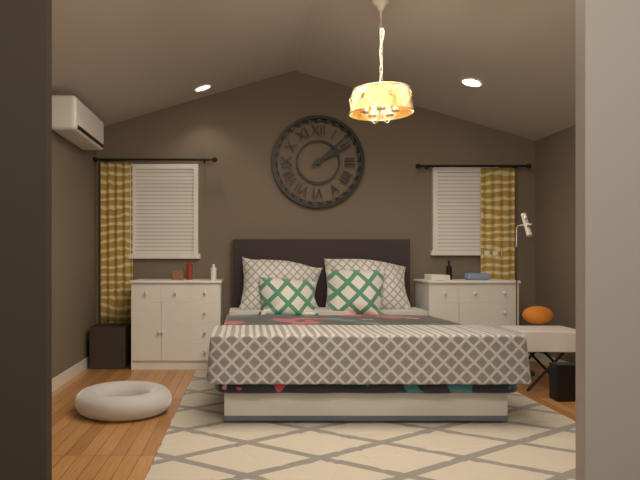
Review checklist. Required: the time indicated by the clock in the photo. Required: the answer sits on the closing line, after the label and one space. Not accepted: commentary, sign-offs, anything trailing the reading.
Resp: 2:08
